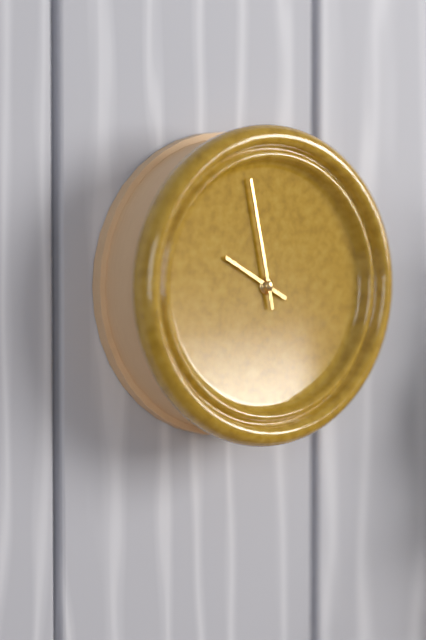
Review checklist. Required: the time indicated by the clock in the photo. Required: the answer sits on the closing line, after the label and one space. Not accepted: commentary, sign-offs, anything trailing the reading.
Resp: 9:58
